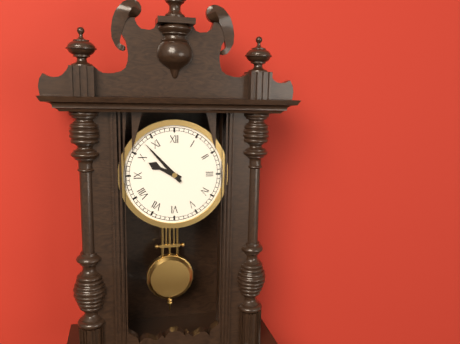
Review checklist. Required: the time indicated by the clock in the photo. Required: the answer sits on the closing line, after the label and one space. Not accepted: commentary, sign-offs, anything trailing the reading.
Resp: 9:53
